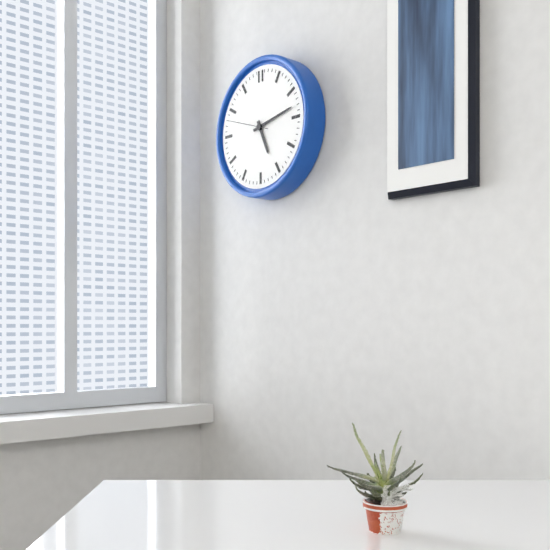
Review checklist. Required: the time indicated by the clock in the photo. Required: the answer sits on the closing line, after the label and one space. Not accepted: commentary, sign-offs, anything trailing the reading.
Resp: 5:13
